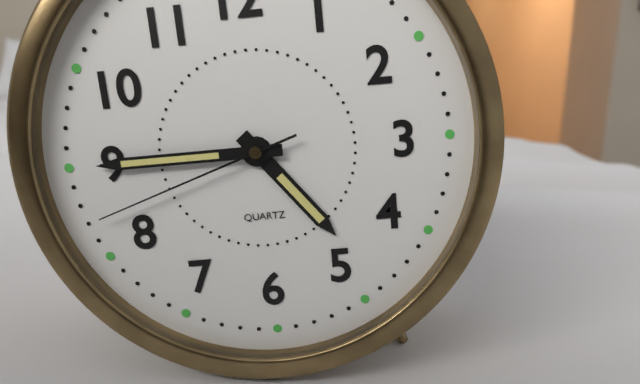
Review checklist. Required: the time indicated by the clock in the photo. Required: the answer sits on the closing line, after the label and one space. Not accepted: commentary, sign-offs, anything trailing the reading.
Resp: 4:45:42
